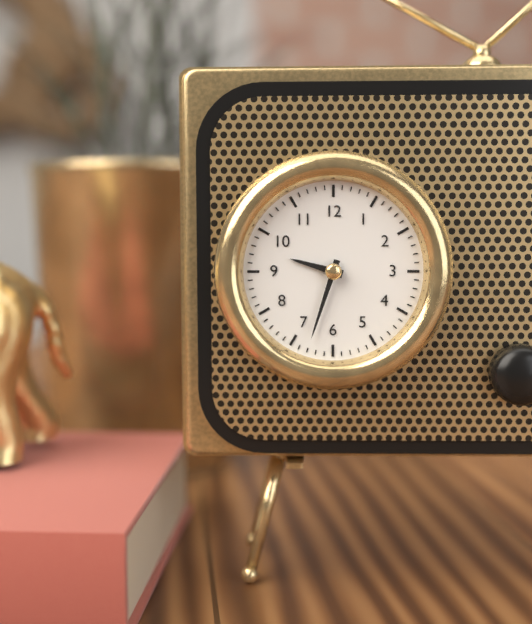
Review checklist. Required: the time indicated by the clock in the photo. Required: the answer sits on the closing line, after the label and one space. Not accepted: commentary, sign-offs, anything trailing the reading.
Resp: 9:33
